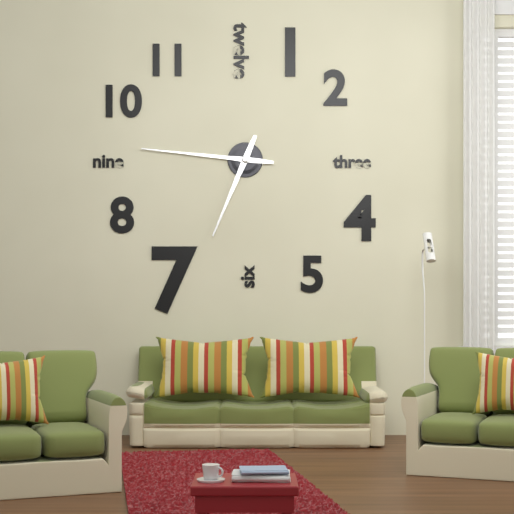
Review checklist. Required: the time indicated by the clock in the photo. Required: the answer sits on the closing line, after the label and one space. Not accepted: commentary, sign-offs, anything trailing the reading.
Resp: 6:46
